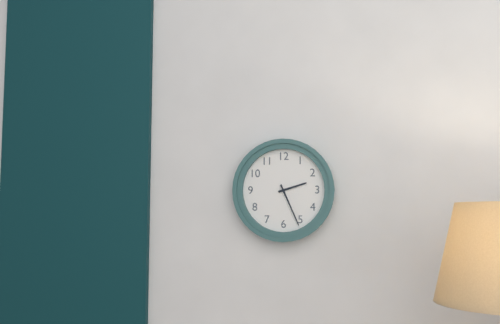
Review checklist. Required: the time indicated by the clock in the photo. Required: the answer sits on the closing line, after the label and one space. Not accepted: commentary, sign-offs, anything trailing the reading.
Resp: 2:26
